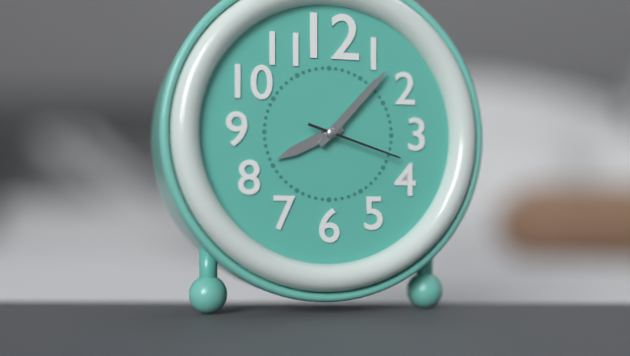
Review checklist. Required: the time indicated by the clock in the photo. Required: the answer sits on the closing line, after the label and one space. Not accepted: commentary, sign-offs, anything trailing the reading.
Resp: 8:07:18
